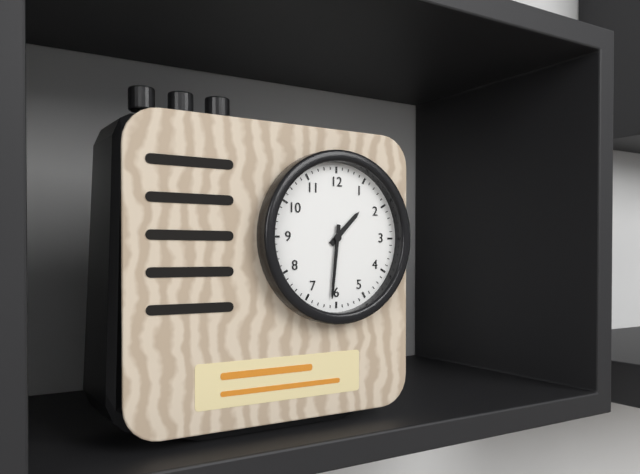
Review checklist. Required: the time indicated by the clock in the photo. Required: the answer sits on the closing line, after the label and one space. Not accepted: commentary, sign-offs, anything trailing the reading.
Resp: 1:31
